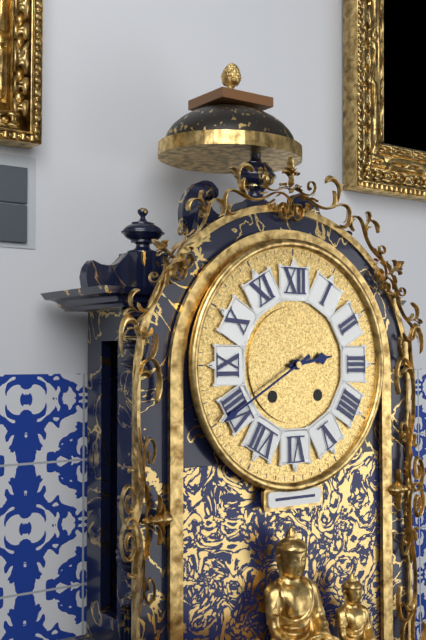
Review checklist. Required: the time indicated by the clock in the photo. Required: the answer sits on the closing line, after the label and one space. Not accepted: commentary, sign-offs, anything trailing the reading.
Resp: 2:40
